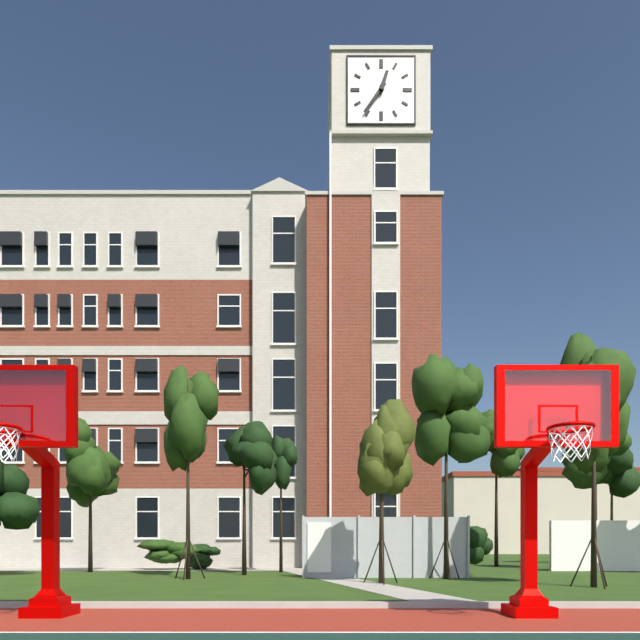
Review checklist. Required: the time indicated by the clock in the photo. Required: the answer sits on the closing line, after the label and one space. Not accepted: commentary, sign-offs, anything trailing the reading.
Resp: 12:36
